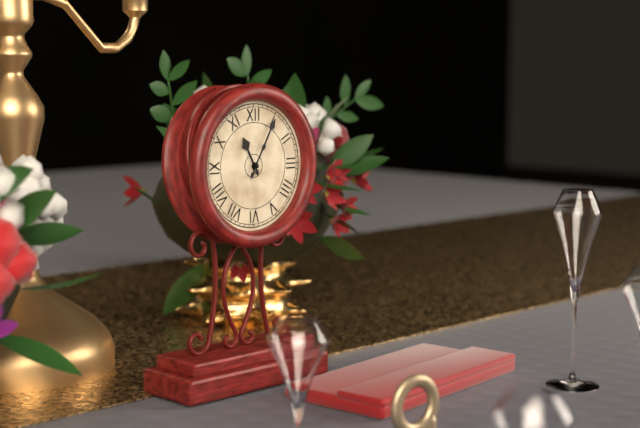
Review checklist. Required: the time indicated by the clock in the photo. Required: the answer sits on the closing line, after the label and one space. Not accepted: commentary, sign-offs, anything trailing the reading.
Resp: 11:05
